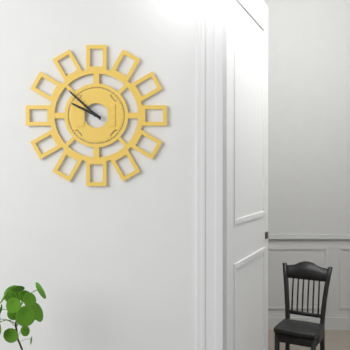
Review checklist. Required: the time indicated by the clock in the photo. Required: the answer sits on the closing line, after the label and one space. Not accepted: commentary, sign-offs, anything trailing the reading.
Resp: 9:52
